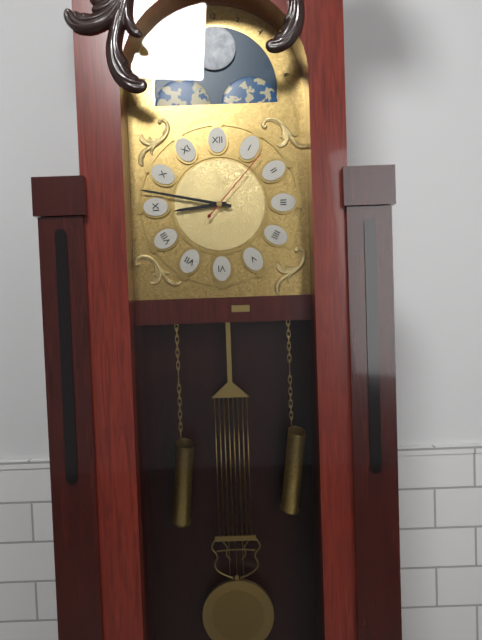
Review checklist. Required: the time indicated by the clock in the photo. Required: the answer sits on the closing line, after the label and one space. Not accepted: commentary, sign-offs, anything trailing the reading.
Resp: 8:47:07
